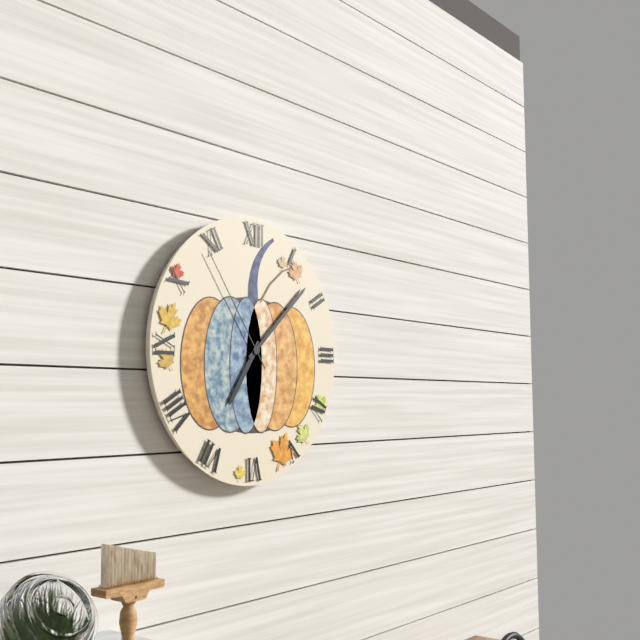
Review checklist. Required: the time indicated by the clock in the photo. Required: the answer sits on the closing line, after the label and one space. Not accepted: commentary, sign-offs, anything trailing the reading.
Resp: 7:08:54
